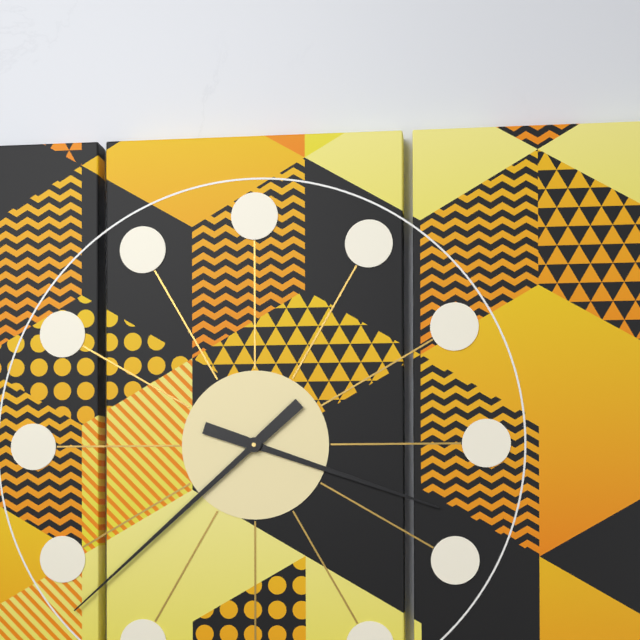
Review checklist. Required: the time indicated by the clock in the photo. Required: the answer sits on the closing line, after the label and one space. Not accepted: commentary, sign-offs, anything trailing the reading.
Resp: 3:38
